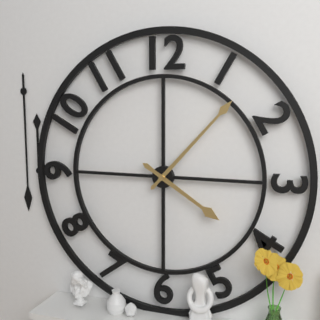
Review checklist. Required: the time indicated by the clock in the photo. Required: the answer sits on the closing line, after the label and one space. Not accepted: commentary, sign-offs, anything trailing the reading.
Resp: 4:07
